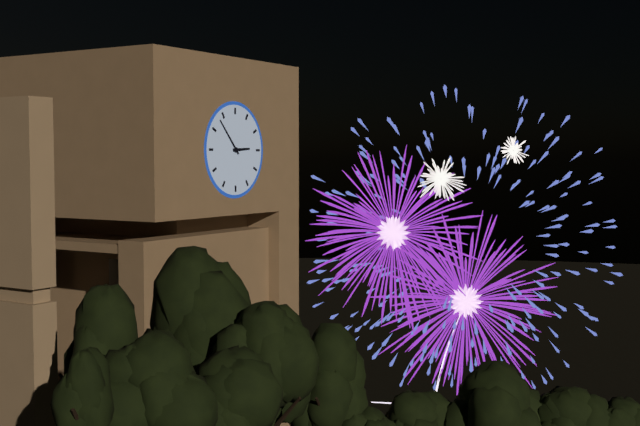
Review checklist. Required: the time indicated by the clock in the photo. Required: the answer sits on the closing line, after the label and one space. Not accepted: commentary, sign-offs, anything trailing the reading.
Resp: 2:53
